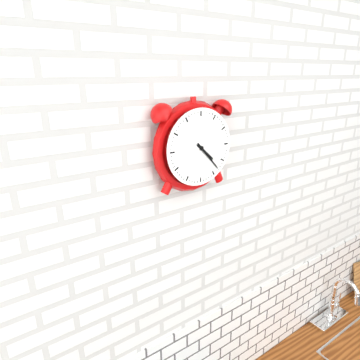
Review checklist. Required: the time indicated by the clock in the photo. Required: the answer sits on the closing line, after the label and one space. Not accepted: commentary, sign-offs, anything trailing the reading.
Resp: 4:23
